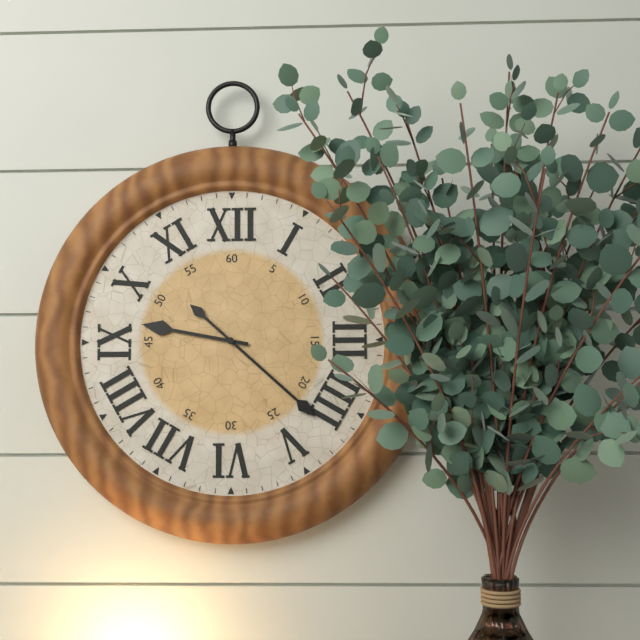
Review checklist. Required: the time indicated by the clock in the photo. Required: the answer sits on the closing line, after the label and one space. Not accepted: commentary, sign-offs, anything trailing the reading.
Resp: 9:22
